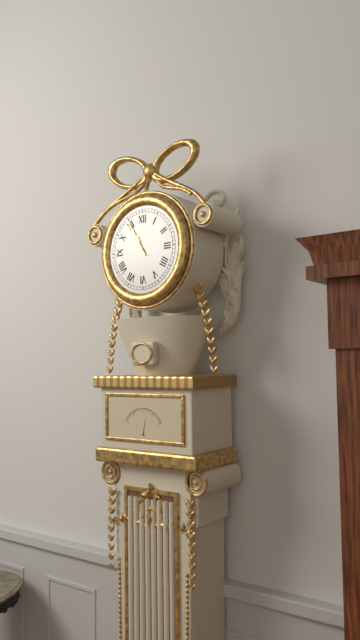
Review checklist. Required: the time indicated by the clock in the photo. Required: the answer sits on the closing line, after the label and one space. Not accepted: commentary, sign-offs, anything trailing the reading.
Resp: 10:55
